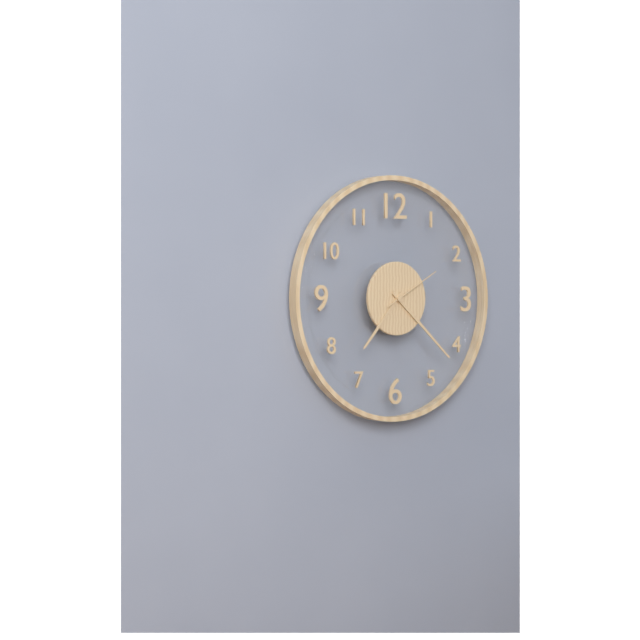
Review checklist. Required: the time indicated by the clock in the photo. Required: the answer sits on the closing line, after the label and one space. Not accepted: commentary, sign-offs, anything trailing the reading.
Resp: 7:22:10
